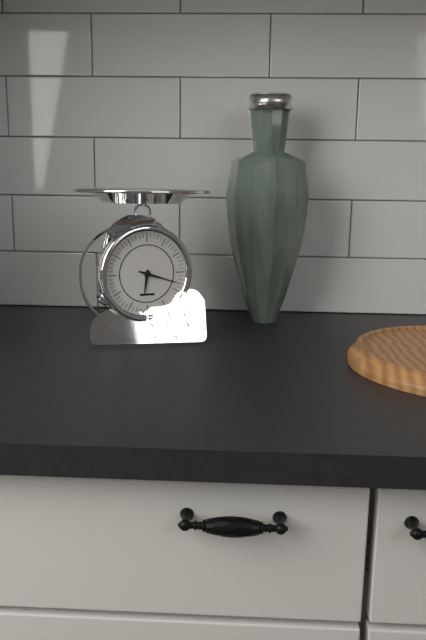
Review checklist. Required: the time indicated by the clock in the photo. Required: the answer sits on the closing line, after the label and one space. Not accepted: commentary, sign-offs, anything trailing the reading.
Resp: 6:18
